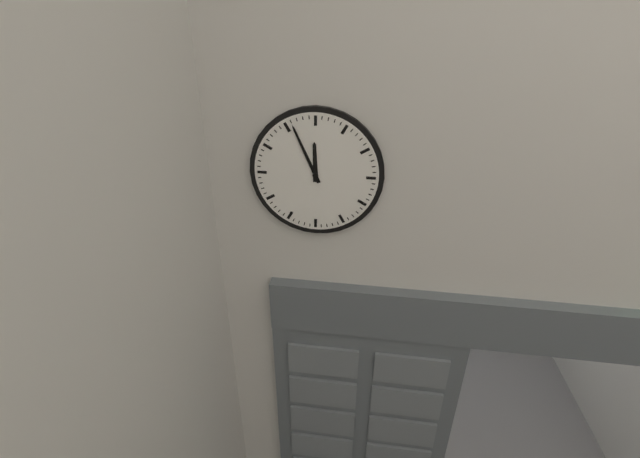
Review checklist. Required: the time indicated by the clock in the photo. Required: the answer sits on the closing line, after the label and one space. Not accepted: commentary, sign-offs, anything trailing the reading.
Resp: 11:56
